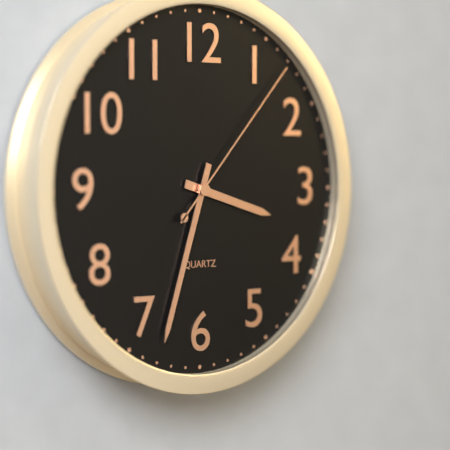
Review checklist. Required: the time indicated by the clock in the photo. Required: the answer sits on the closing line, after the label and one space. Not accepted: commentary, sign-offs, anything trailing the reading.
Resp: 3:33:07
